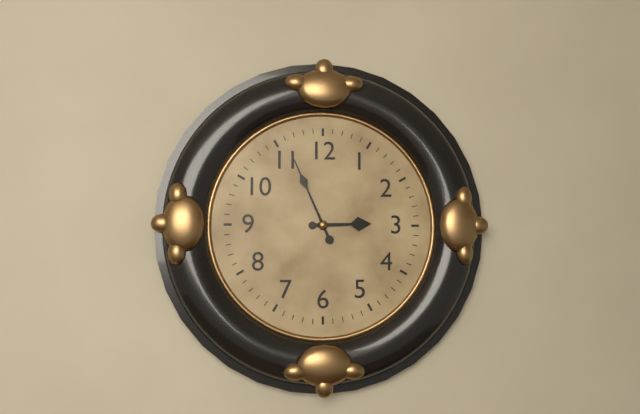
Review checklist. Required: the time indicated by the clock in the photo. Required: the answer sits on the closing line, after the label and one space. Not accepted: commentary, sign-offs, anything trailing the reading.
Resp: 2:56
